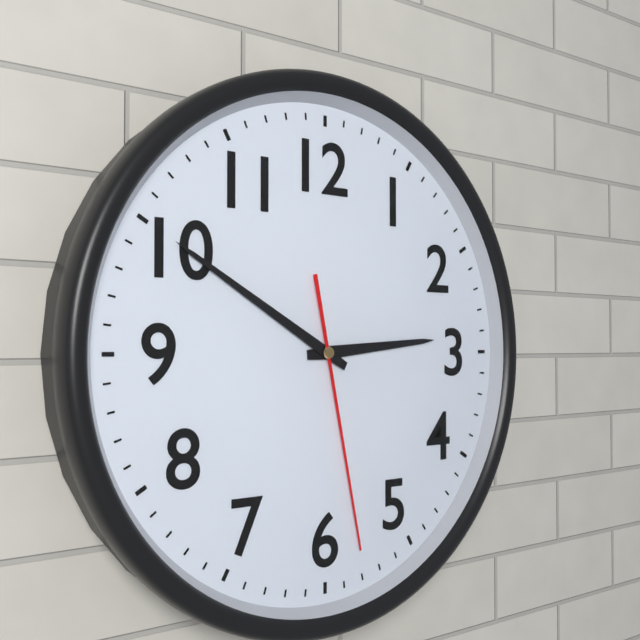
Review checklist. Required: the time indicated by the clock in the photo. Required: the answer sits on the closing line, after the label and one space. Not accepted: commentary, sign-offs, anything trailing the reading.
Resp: 2:50:28
